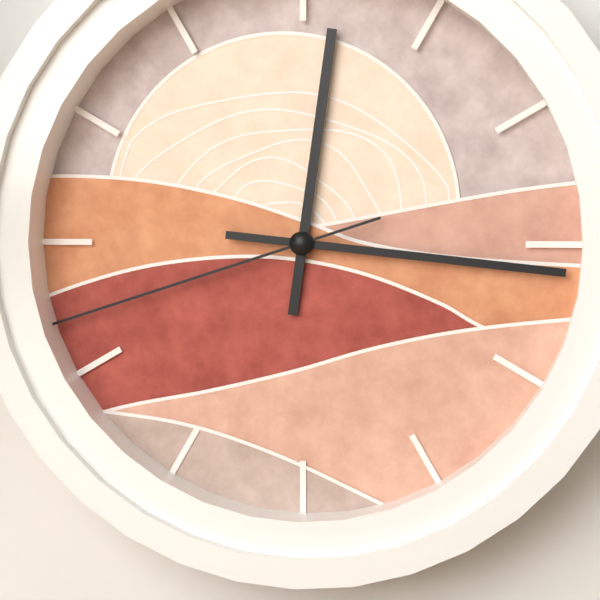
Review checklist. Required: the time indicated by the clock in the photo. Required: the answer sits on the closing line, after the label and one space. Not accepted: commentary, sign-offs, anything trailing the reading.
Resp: 12:16:42
